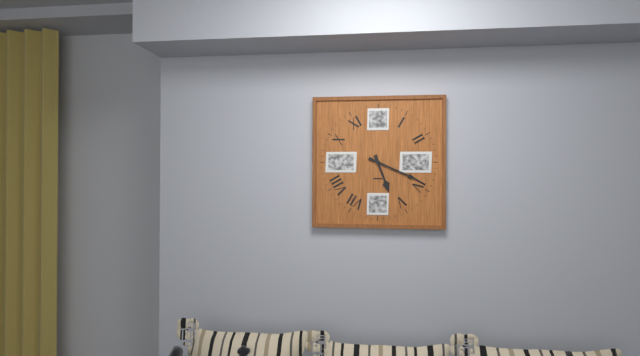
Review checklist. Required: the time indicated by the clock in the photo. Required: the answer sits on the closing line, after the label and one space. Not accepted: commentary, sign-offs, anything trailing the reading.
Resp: 5:19
